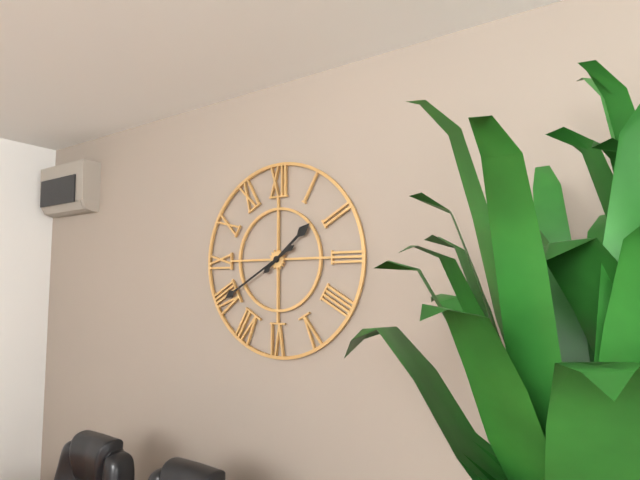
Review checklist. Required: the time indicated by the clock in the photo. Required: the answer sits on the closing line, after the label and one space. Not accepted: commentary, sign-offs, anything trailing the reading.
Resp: 1:40
